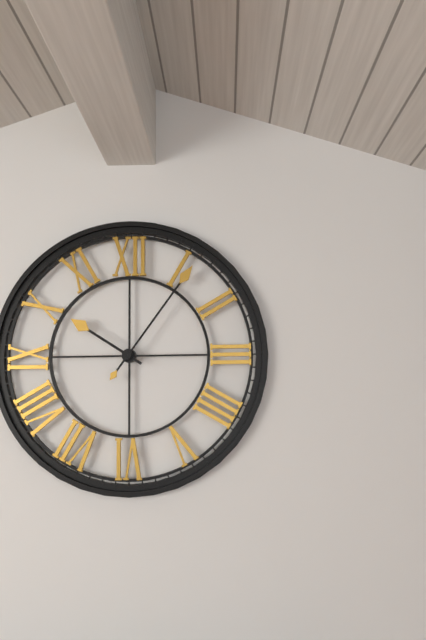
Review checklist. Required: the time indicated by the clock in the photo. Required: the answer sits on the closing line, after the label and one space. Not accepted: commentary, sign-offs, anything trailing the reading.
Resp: 10:06
